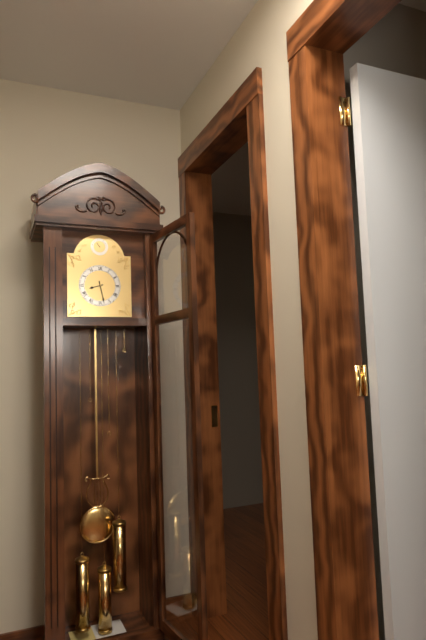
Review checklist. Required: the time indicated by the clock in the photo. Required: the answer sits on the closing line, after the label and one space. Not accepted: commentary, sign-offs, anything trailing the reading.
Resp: 8:28
